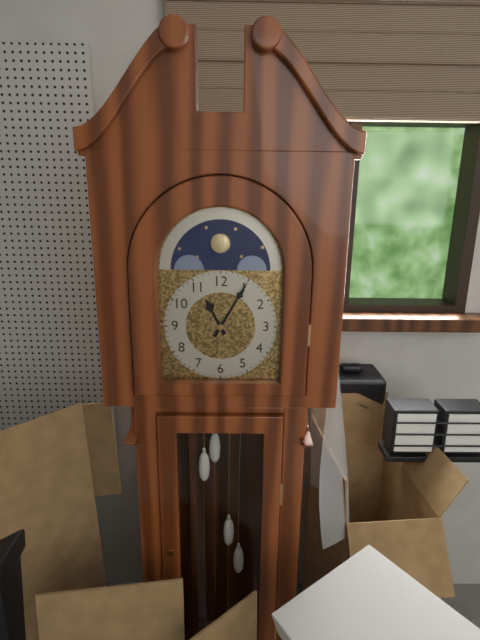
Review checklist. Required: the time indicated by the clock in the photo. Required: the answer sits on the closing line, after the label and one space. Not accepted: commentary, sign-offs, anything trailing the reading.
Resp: 11:05
